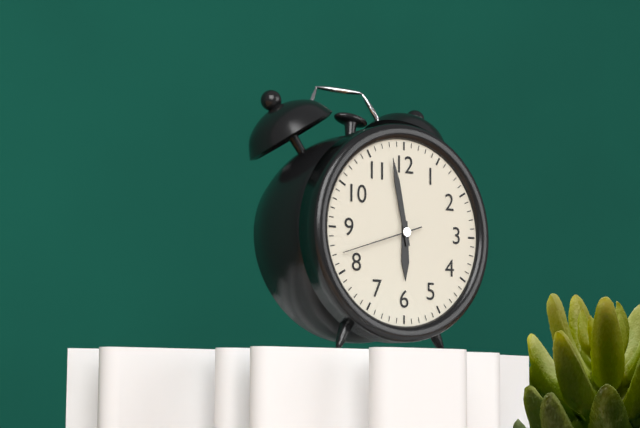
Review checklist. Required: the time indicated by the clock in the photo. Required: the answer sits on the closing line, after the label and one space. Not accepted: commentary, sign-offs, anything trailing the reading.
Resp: 5:58:42
